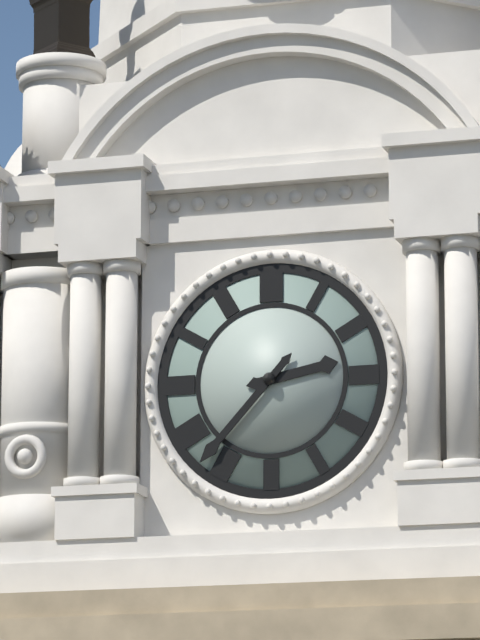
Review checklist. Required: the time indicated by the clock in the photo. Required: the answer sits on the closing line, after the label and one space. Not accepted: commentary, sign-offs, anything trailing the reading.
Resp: 2:37
